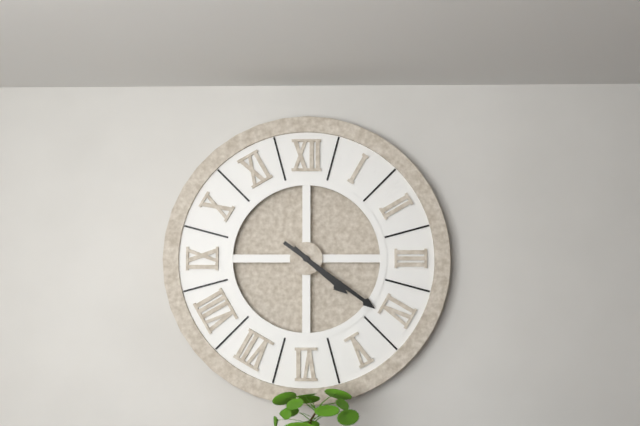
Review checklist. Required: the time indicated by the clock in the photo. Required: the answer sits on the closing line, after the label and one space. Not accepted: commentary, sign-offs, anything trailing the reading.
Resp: 4:21
